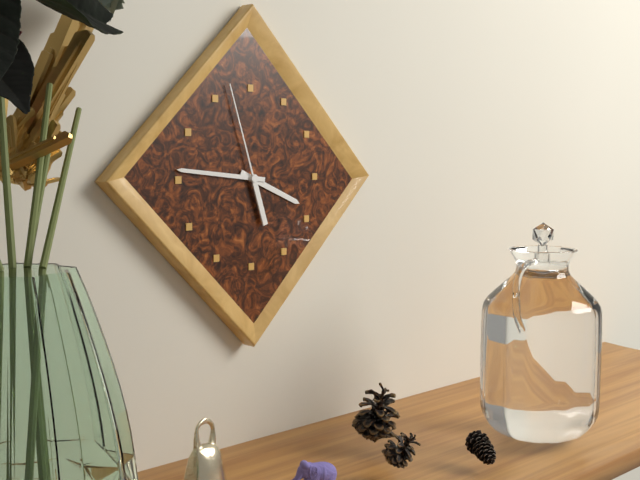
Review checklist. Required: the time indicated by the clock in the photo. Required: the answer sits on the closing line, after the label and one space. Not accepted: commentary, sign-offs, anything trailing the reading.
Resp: 3:46:57
